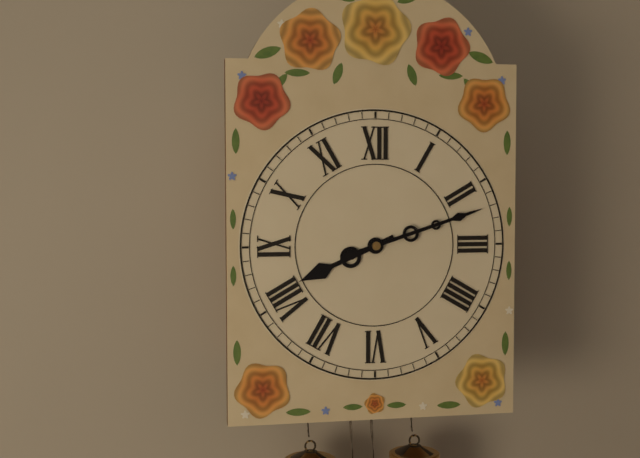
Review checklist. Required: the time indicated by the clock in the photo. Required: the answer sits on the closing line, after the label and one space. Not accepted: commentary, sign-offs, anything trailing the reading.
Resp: 8:12
